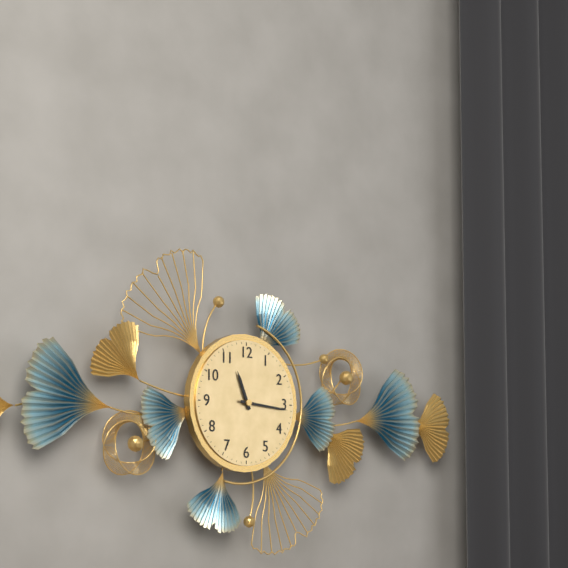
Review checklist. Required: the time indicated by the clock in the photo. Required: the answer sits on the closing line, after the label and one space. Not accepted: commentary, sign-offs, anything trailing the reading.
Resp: 11:16
